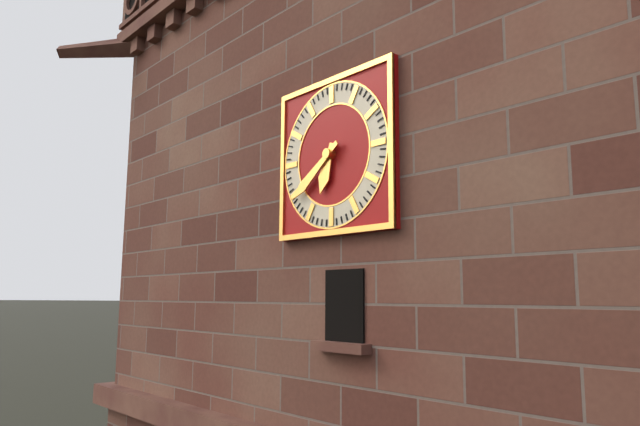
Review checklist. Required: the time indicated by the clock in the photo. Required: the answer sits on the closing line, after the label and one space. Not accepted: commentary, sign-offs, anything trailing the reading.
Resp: 6:39
